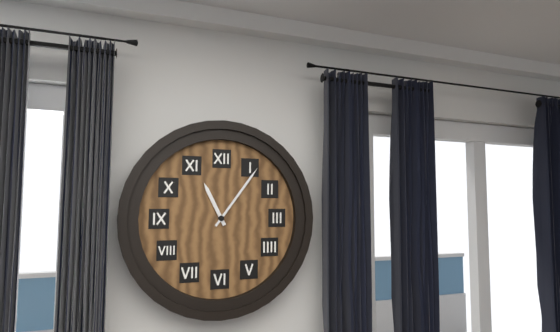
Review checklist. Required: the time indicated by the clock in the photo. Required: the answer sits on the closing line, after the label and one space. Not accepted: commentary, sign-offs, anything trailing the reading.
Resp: 11:06
